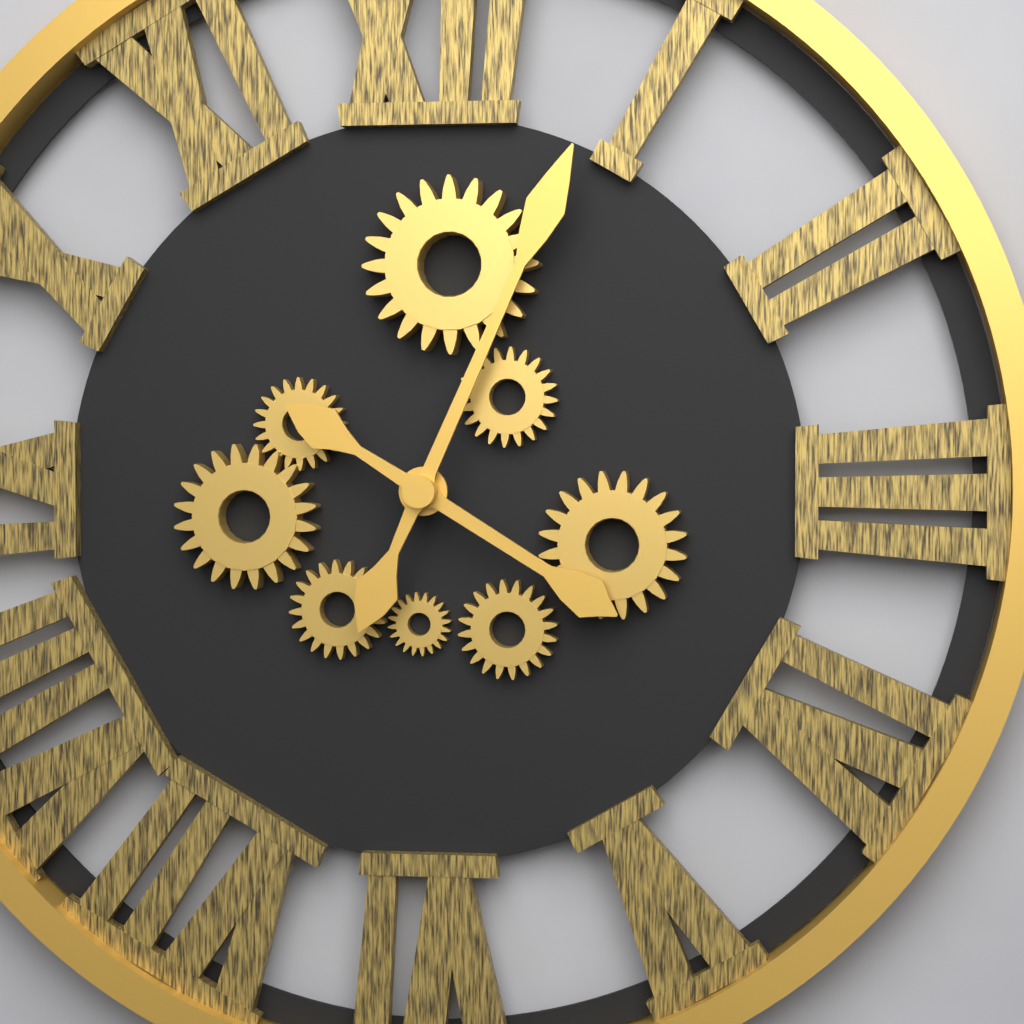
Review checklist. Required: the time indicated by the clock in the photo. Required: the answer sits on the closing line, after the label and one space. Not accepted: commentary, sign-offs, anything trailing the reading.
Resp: 4:04
